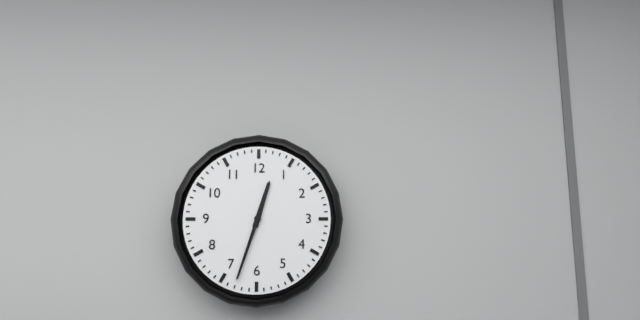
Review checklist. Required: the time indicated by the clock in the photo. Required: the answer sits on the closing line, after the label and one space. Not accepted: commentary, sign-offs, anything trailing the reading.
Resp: 12:33
